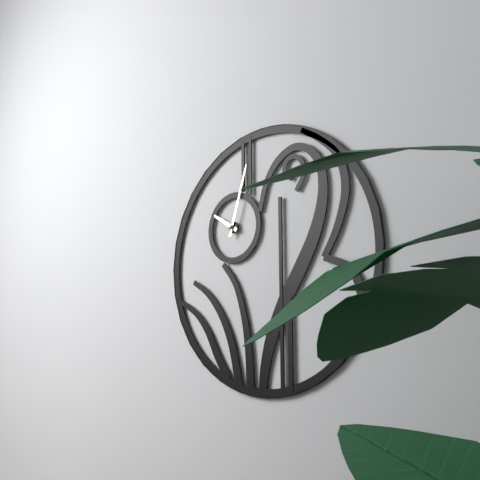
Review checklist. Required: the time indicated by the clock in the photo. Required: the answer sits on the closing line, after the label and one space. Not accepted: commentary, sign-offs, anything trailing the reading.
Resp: 10:03
